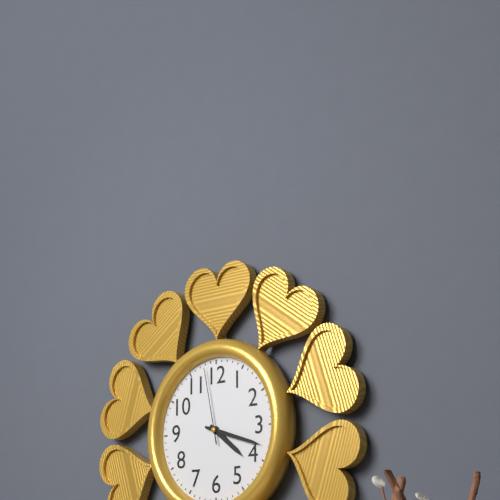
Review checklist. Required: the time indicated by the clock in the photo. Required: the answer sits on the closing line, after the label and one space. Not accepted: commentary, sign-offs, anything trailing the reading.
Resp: 4:18:58
